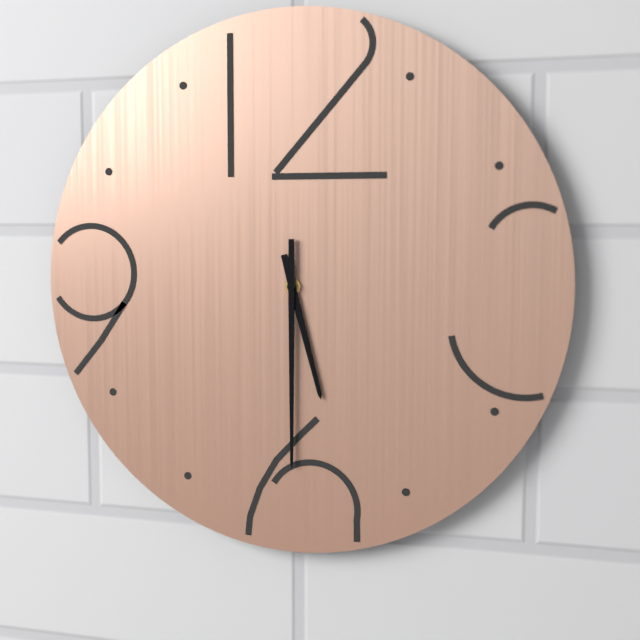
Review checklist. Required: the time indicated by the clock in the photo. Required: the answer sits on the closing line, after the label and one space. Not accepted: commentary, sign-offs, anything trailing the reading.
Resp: 5:30
